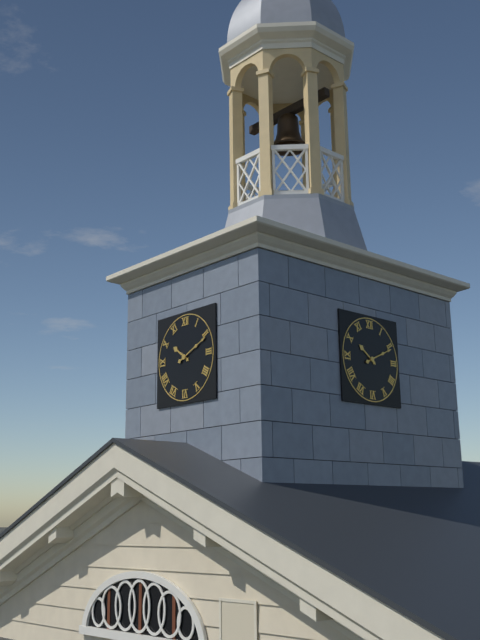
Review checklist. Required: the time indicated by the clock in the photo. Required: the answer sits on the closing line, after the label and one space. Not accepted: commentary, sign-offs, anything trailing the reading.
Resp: 10:11
